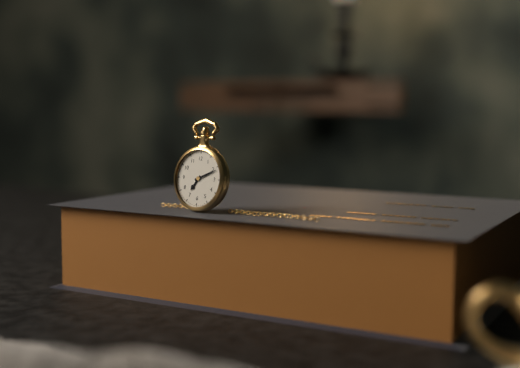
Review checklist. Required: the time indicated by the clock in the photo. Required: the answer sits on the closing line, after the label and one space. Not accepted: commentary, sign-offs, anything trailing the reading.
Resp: 7:11
